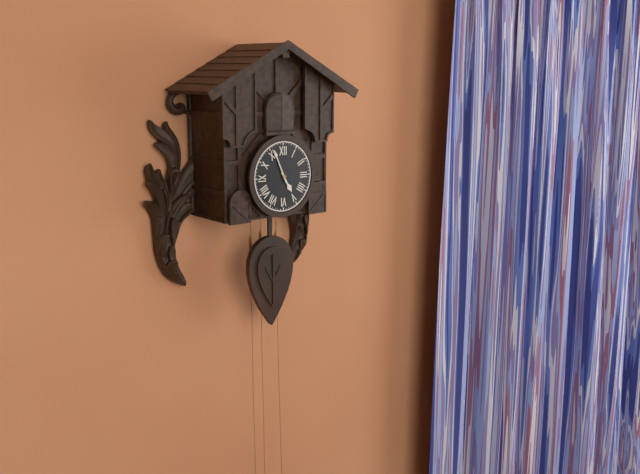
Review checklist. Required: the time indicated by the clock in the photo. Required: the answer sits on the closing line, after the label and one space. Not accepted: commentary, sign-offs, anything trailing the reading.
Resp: 4:56
